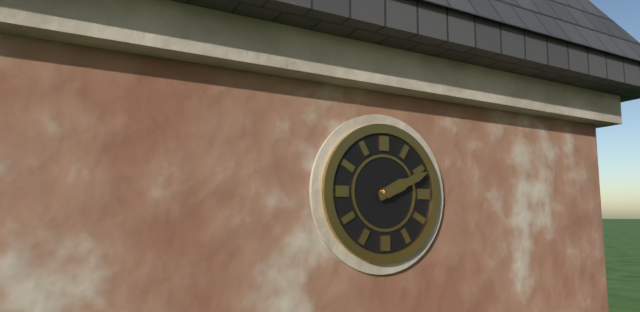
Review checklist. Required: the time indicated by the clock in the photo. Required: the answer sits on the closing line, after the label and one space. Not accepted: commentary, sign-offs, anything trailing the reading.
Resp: 2:11
